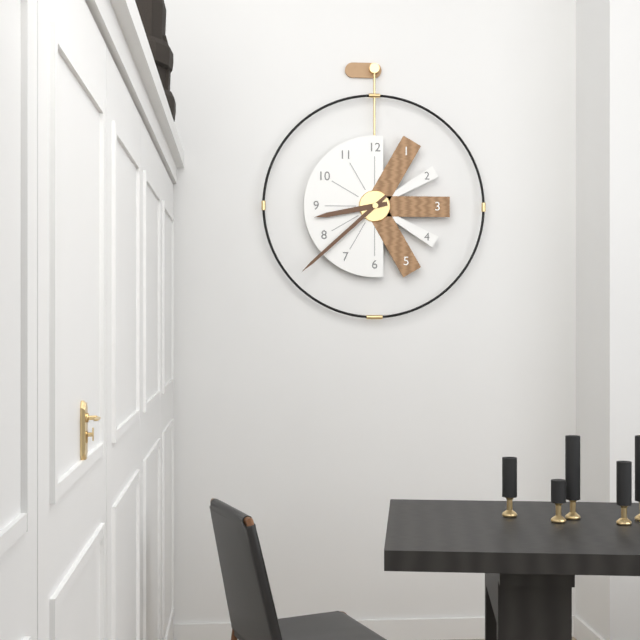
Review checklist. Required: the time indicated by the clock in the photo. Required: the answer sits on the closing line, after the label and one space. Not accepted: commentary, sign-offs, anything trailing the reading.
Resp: 8:38
